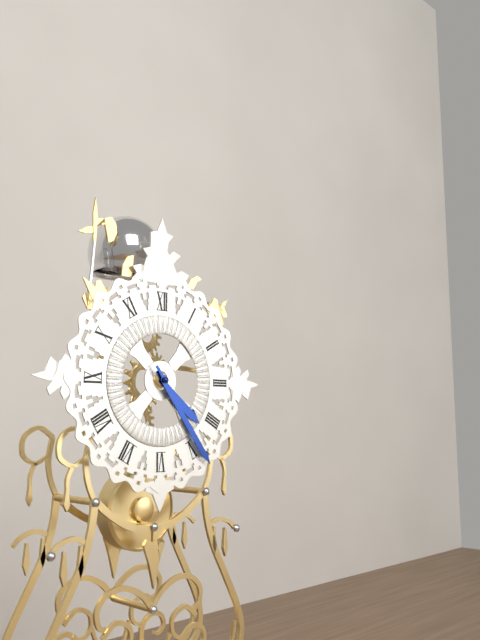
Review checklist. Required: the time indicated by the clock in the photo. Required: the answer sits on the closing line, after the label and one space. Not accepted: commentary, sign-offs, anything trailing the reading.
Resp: 4:24
